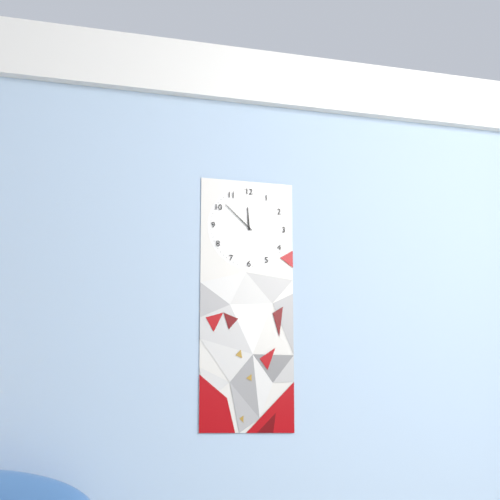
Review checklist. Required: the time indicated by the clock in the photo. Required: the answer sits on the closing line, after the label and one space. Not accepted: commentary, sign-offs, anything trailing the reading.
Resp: 11:52
